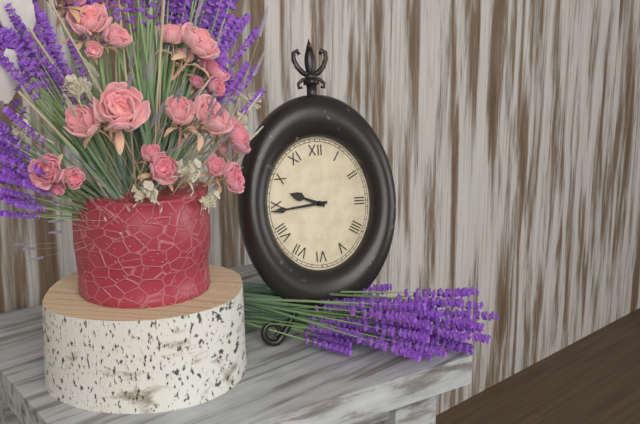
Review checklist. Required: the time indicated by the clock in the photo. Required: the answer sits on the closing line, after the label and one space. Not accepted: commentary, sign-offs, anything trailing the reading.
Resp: 9:44
